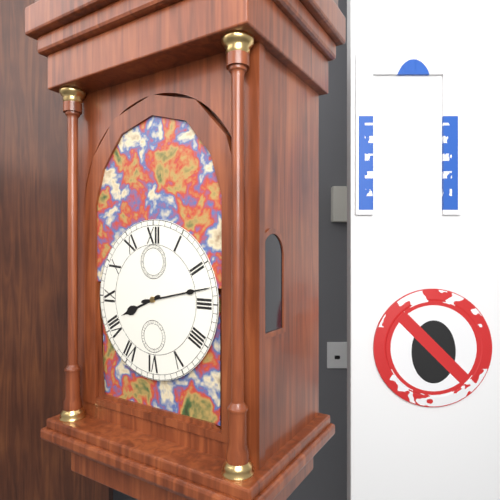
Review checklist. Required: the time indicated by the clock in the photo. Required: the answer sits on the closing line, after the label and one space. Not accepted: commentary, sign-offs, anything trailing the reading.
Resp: 8:13
